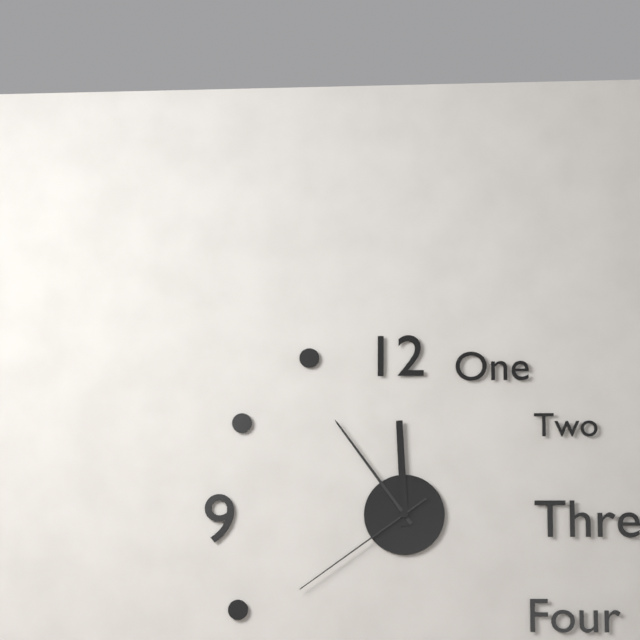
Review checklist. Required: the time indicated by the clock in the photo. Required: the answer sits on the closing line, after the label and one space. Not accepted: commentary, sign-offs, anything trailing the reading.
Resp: 11:54:39
